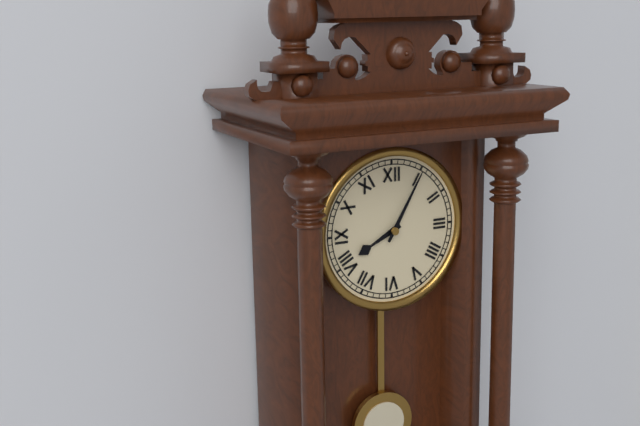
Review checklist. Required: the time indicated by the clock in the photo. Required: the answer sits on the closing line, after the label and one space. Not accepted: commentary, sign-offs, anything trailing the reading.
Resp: 8:05
